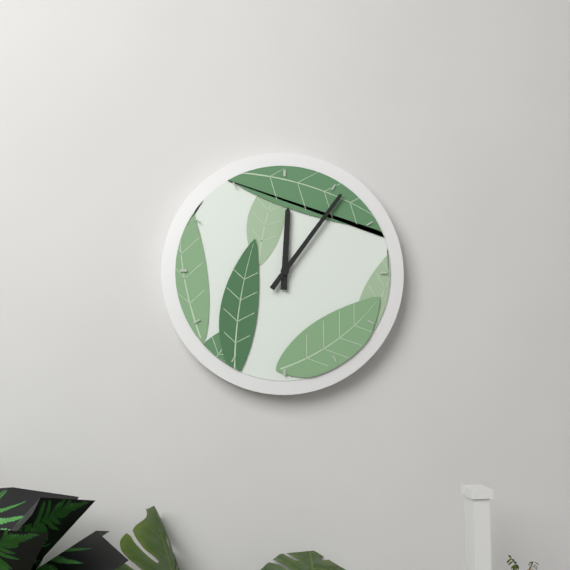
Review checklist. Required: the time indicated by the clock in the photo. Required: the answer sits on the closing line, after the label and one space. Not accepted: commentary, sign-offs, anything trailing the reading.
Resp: 12:06
